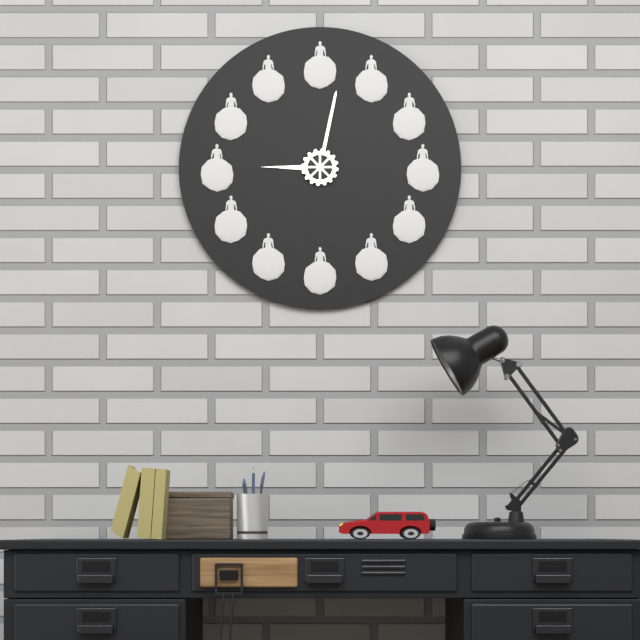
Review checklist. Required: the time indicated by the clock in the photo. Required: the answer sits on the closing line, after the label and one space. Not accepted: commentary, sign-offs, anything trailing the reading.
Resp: 9:02
